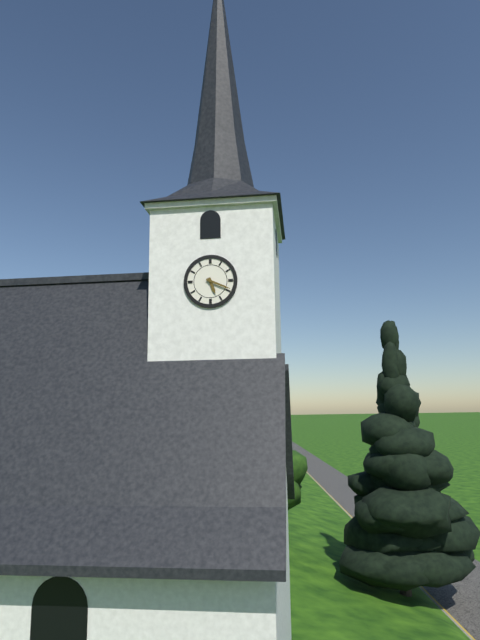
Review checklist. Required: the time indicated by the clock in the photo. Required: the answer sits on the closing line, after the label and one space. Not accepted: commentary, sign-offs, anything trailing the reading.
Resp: 5:19
